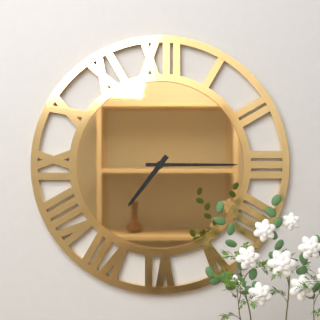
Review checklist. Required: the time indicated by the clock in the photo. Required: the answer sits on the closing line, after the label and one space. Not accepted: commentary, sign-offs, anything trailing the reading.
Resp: 7:15
